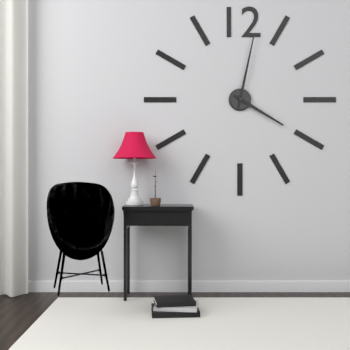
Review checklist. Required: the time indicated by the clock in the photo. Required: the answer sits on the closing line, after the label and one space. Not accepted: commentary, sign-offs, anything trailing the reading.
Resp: 4:02
